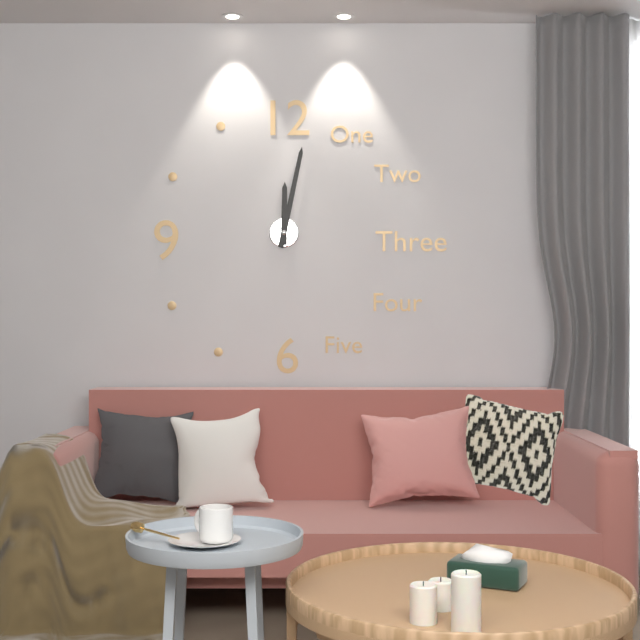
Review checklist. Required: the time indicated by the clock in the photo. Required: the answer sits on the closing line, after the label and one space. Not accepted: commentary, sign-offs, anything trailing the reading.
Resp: 12:02
